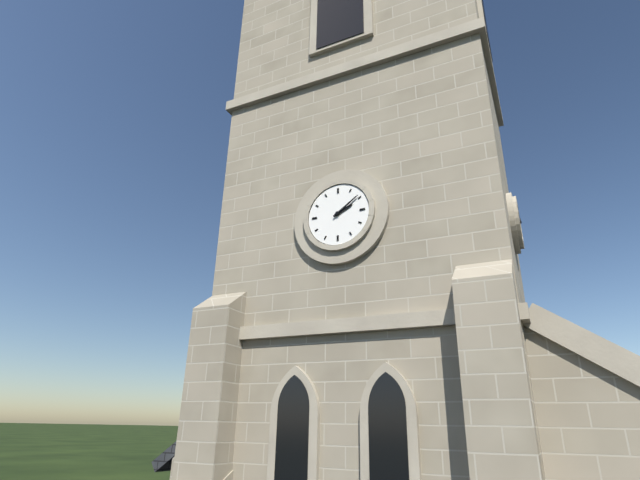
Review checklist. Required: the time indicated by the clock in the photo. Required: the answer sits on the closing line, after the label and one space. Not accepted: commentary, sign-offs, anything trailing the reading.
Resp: 2:09
